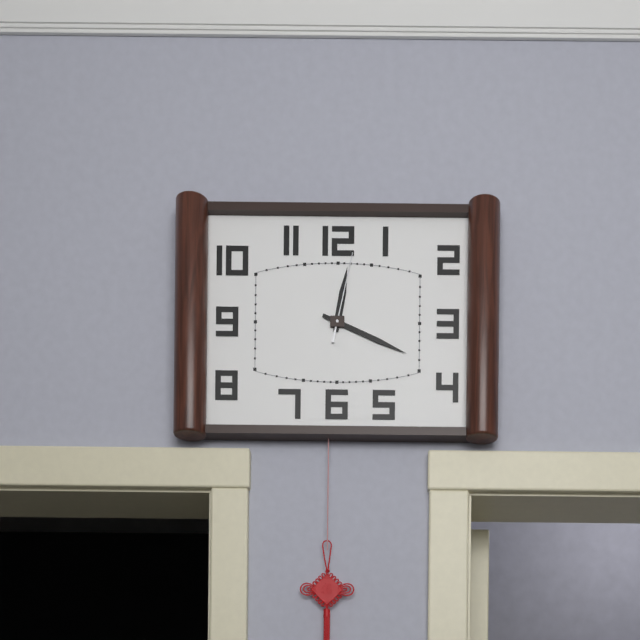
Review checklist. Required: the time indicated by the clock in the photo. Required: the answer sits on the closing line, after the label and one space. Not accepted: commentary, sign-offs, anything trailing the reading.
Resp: 12:19:02
